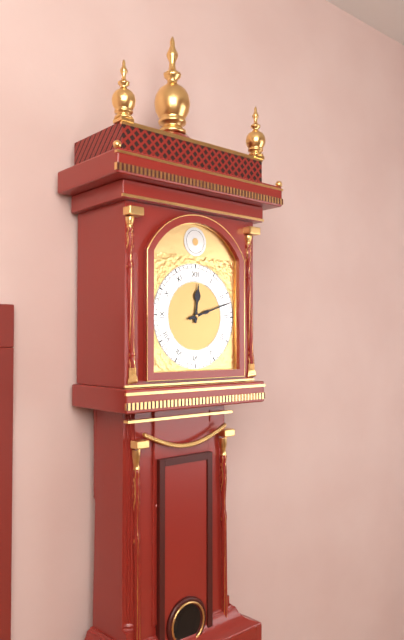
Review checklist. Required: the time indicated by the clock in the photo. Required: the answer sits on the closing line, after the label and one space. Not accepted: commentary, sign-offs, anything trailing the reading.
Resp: 12:12
